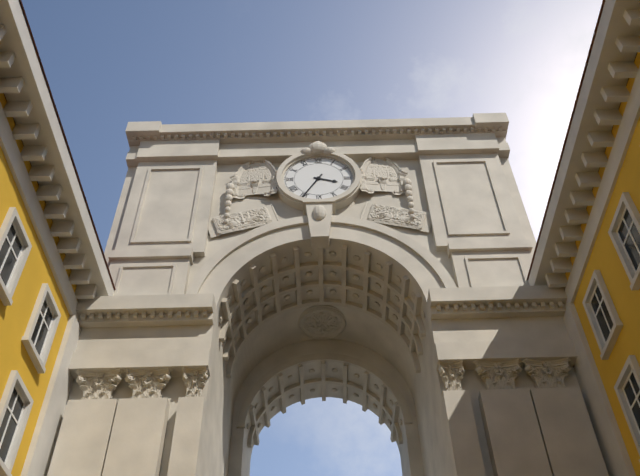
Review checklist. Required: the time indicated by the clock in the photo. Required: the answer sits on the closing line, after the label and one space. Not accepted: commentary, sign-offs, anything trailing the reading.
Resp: 3:35
